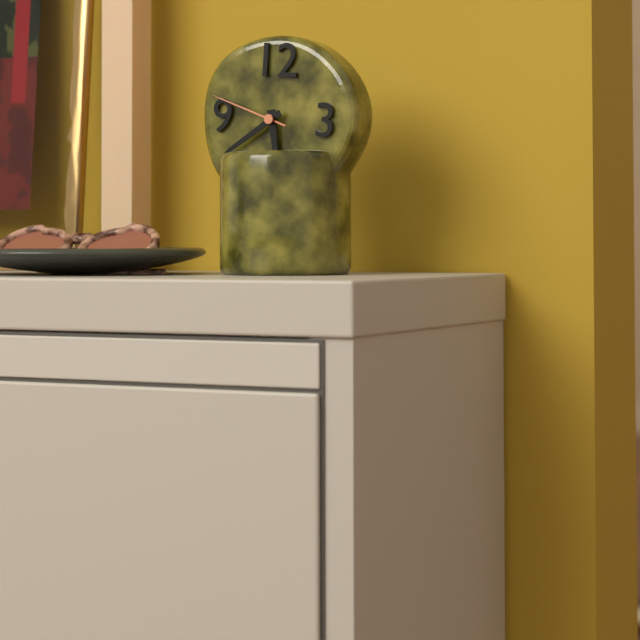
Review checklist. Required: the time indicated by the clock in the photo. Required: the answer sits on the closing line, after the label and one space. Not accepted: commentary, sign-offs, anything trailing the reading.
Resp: 5:39:48
